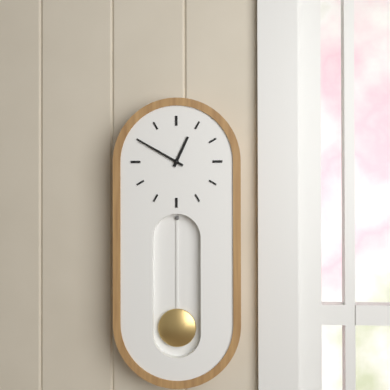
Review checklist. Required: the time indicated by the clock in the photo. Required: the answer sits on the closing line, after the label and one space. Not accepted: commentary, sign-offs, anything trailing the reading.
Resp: 12:50
